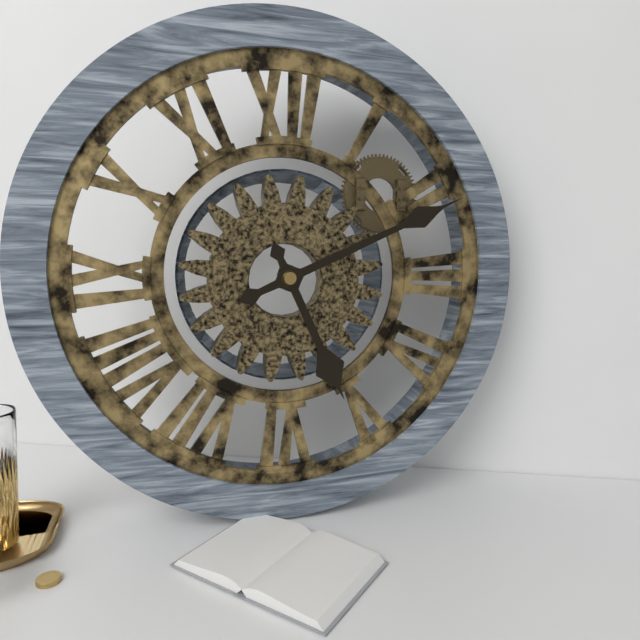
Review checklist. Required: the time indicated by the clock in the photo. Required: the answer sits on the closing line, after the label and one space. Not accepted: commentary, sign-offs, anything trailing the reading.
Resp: 5:11
